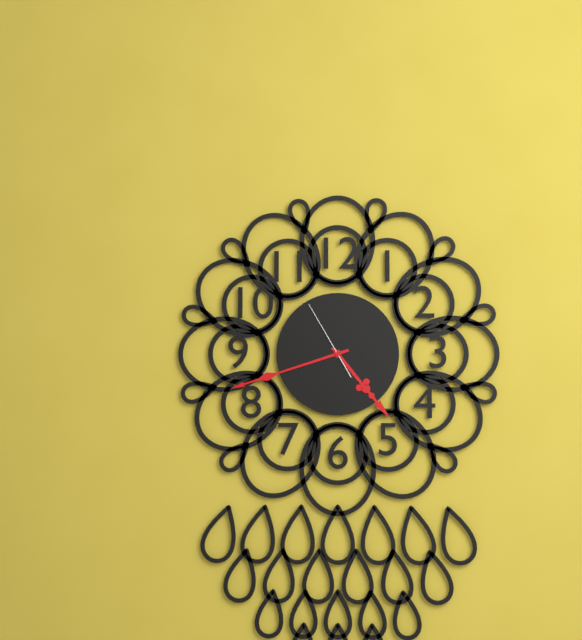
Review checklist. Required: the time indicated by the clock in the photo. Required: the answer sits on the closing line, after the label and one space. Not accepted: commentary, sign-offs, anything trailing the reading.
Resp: 4:42:55
